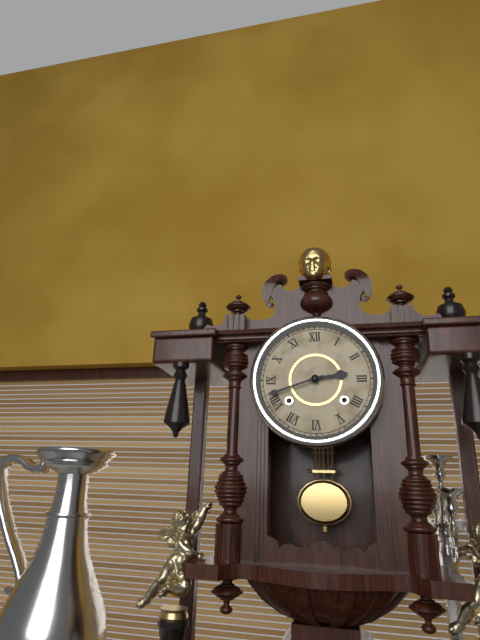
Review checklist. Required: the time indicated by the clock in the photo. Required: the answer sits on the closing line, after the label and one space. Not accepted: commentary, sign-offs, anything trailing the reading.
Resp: 2:42
